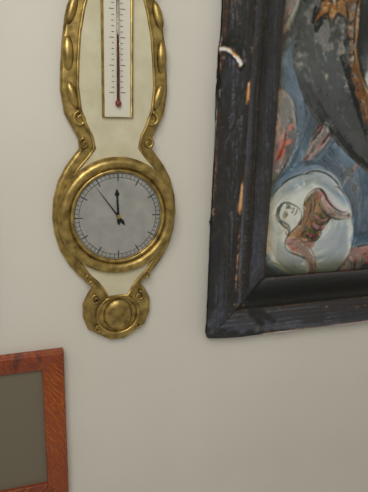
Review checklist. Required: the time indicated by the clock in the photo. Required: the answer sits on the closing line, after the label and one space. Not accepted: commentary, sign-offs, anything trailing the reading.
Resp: 11:54
